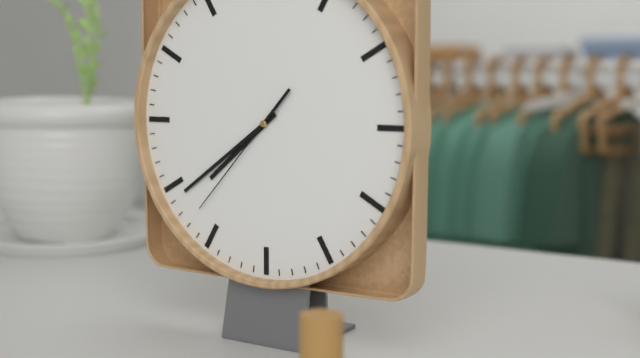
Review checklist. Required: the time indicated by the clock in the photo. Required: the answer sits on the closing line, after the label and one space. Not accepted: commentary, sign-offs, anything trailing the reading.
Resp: 7:39:37
